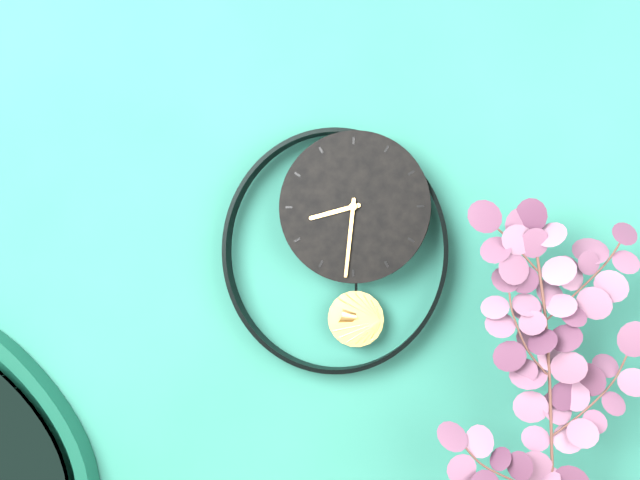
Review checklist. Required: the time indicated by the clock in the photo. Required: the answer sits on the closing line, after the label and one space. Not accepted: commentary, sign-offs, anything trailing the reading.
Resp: 8:31
